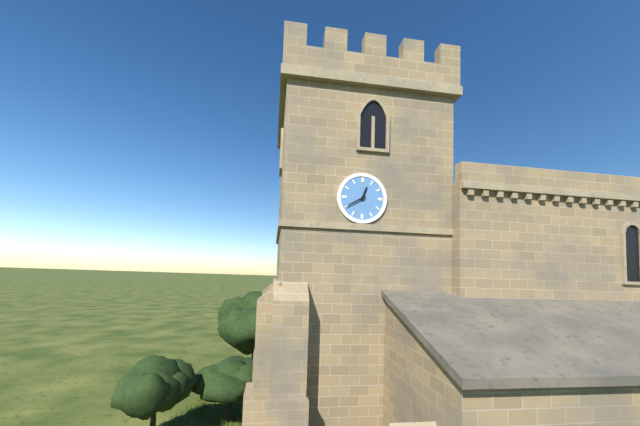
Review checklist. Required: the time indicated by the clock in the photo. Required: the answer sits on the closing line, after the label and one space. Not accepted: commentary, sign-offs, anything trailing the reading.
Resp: 12:40
